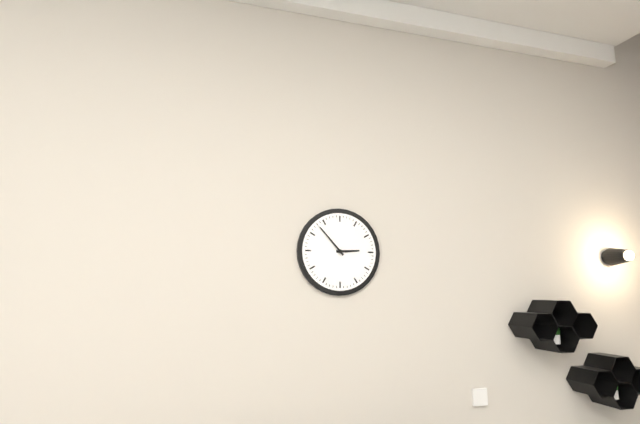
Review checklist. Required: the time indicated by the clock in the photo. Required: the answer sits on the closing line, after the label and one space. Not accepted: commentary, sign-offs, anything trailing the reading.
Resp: 2:53
